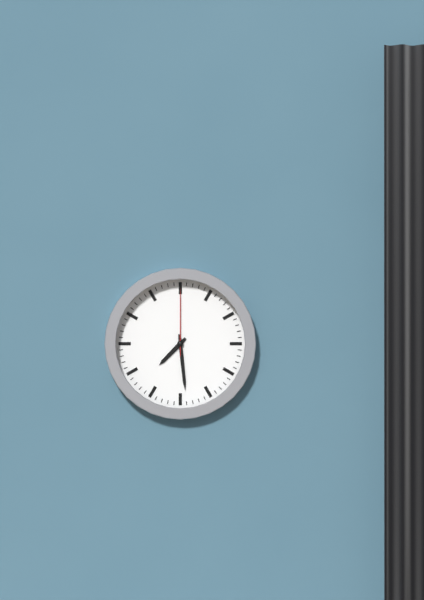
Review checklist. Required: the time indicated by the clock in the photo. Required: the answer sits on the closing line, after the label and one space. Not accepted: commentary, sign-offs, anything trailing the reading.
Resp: 7:29:00
